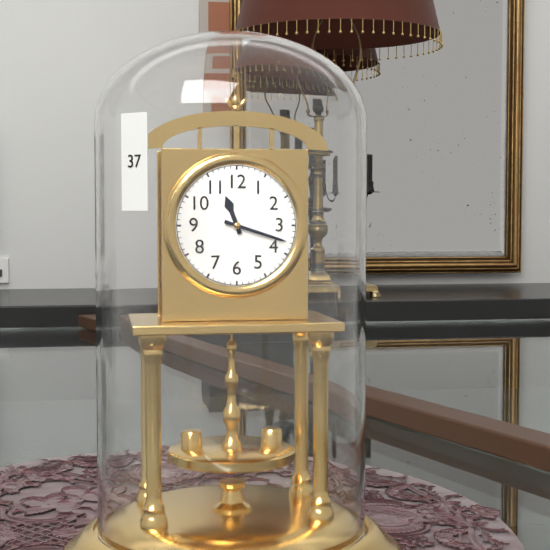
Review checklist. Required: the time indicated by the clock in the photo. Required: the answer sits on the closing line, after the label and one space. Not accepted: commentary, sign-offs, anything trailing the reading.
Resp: 11:18
